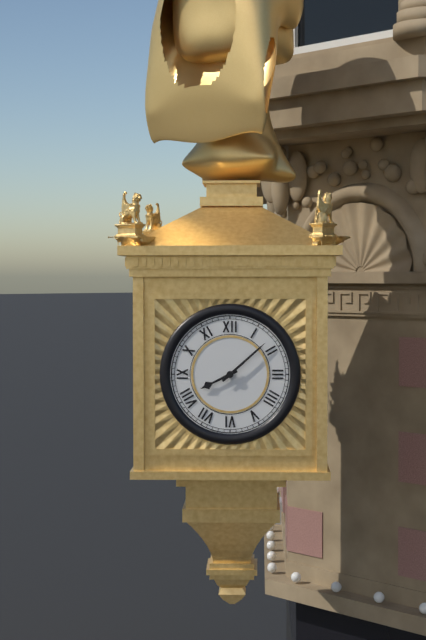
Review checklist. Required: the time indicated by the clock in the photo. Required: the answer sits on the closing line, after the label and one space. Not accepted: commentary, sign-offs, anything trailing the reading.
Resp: 8:08
